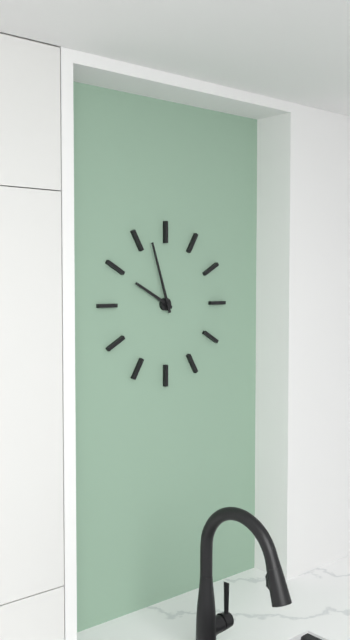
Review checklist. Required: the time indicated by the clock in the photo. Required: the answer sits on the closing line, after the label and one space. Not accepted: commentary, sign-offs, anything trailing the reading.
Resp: 9:57
